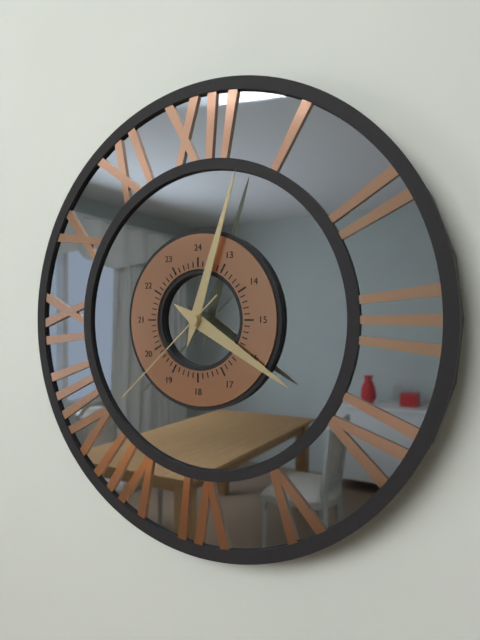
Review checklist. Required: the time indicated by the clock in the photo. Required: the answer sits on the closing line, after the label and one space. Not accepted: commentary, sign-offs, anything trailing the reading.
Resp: 4:03:38
